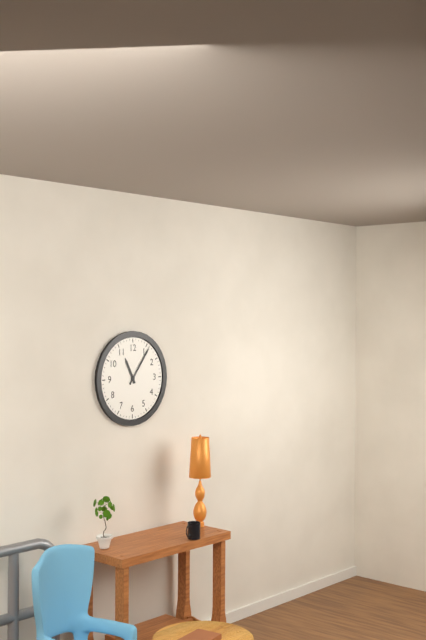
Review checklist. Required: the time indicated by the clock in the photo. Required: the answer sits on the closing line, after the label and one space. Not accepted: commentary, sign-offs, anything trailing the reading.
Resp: 11:06
